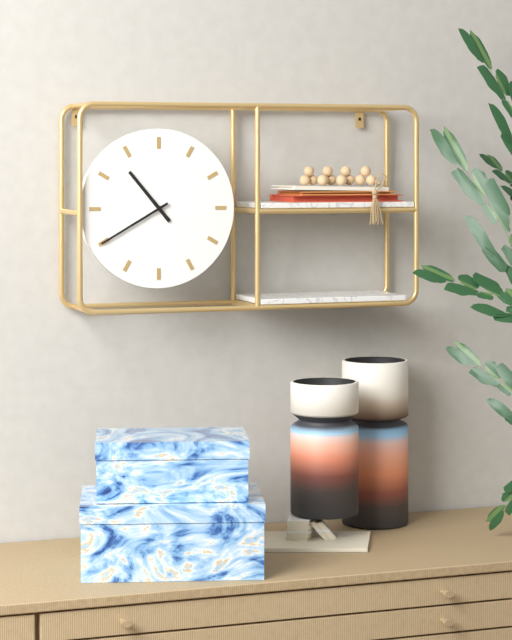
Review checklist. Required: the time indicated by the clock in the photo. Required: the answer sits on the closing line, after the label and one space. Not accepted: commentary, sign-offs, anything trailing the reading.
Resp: 10:40
